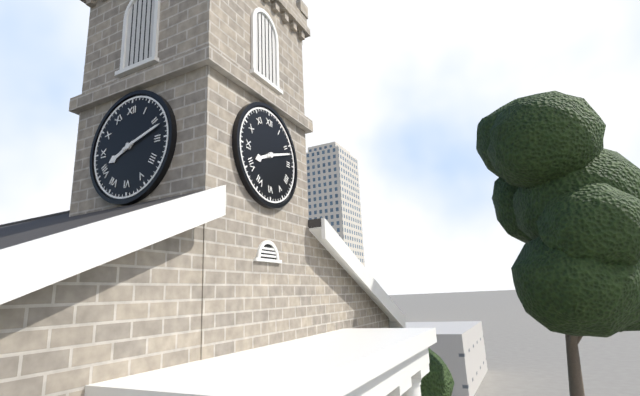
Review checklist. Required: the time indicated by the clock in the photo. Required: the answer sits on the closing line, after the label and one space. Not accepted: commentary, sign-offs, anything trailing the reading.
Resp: 8:12
